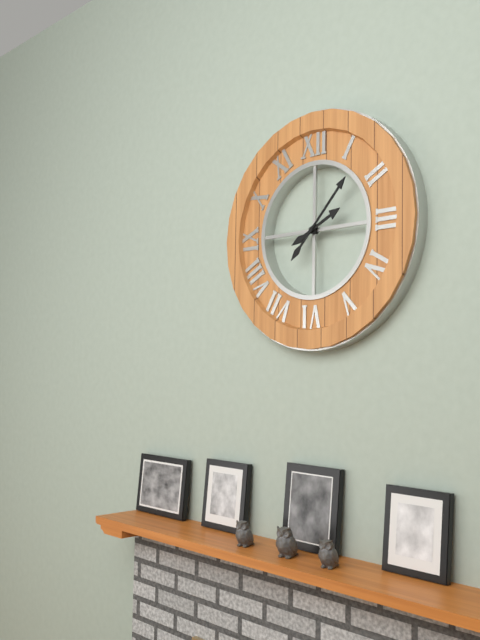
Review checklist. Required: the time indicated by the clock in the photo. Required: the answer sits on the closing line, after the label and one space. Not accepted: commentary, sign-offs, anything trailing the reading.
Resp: 2:07
